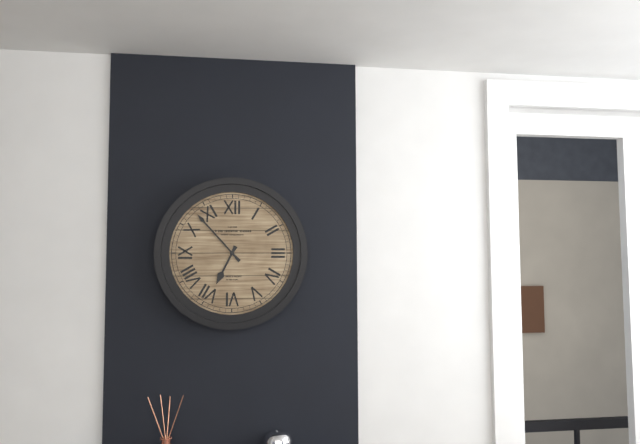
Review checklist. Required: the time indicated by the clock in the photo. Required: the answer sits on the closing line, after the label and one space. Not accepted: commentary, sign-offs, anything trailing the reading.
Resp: 6:53
